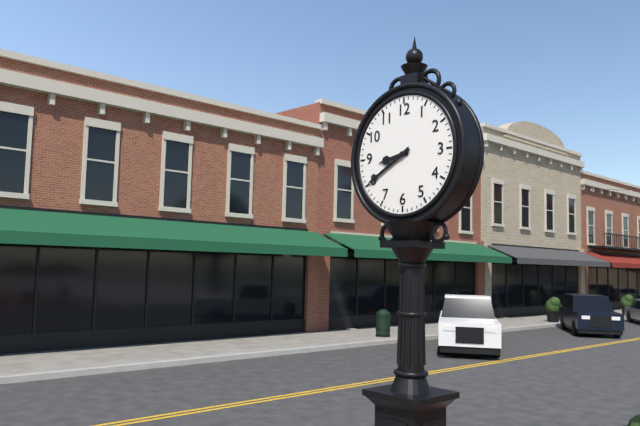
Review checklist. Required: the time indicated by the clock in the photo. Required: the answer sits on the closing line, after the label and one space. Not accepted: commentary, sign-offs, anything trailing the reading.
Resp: 8:40
